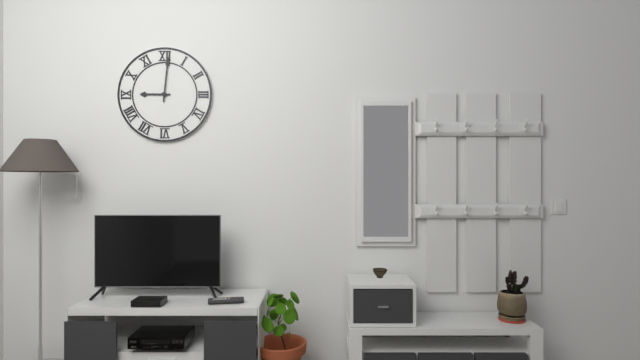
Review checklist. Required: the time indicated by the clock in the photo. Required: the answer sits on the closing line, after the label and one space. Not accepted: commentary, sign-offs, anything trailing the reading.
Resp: 9:01
